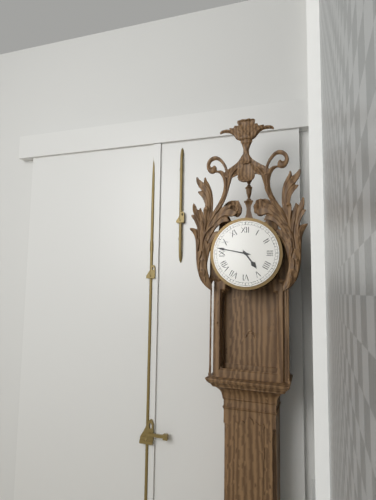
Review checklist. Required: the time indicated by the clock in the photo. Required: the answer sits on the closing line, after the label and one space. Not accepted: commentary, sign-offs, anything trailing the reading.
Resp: 4:47
